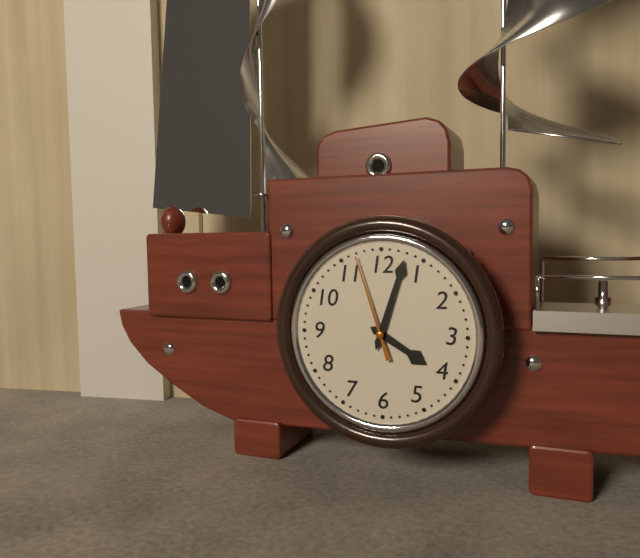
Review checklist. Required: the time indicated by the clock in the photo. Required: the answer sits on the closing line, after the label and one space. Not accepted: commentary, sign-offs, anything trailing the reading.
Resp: 4:03:57
